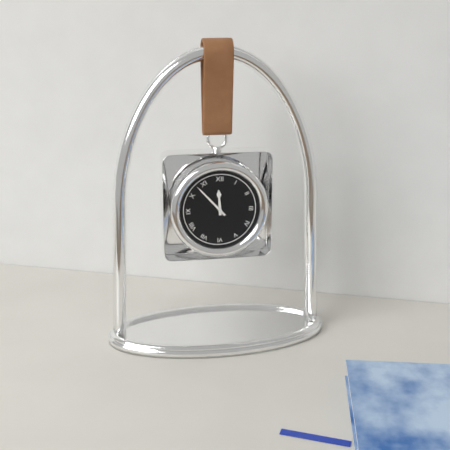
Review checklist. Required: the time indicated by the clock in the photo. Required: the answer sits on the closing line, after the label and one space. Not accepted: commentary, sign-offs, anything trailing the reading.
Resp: 11:53
